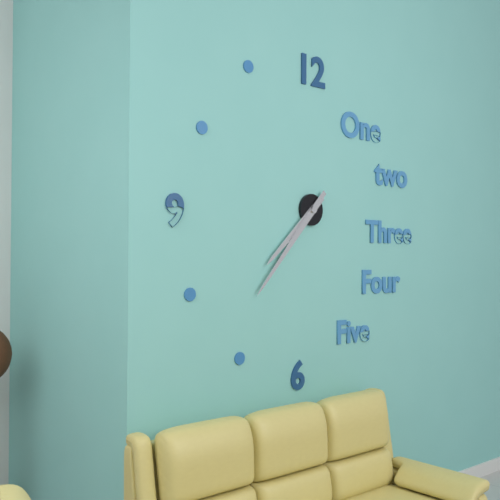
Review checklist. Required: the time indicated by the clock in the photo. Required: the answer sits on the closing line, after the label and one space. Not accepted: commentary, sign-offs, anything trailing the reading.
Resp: 7:37
